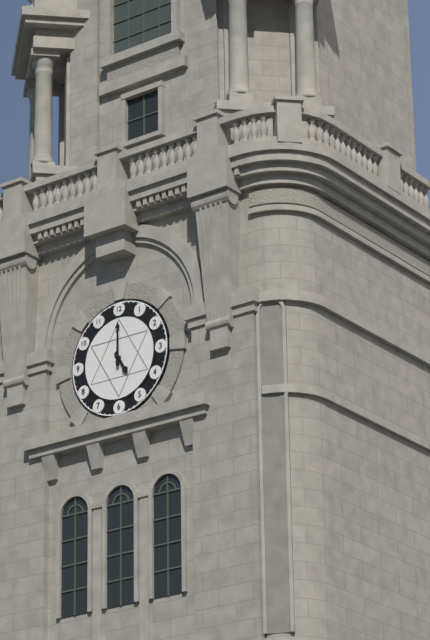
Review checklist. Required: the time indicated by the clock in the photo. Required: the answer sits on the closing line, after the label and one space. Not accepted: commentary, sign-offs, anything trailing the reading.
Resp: 5:00
